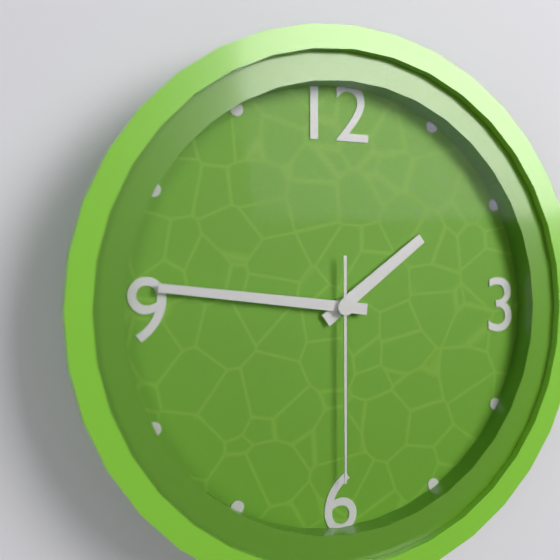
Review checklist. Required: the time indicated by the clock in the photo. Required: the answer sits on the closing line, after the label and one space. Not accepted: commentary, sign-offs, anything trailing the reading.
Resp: 1:46:30
